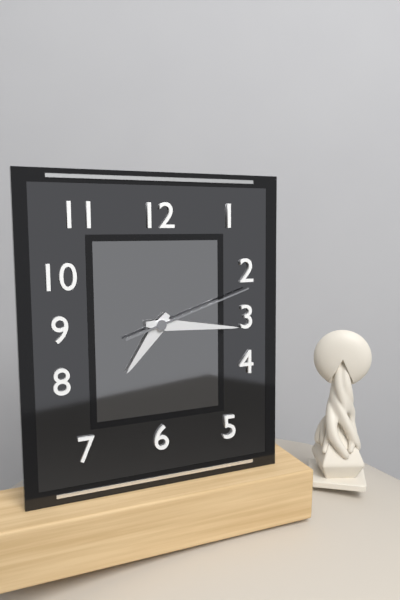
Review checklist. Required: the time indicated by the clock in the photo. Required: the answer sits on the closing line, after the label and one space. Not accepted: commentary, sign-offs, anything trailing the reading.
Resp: 7:16:12
